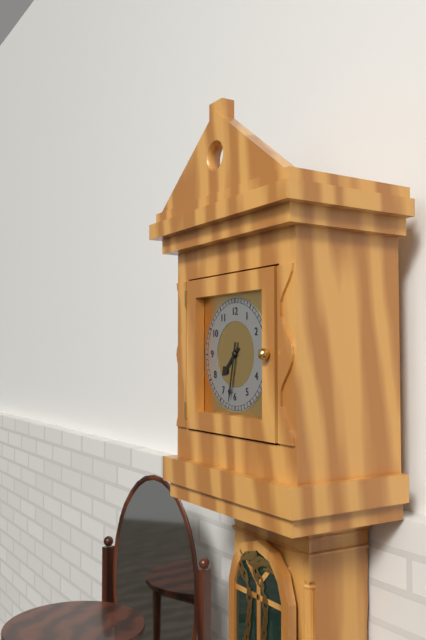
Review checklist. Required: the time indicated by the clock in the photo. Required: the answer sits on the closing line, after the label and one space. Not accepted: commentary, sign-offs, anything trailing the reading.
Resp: 7:32
